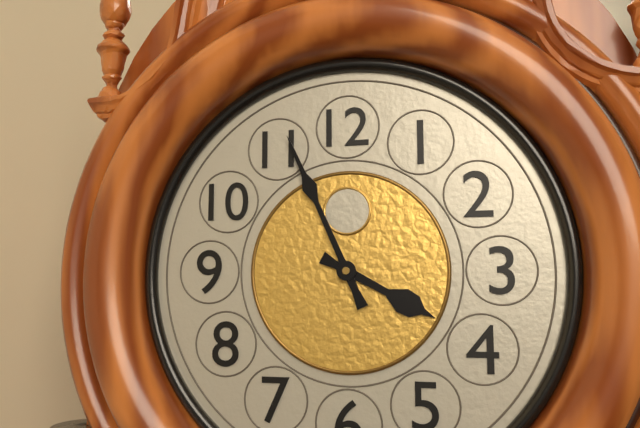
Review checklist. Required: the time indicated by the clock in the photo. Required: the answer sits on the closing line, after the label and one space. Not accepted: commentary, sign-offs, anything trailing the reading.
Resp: 3:56
